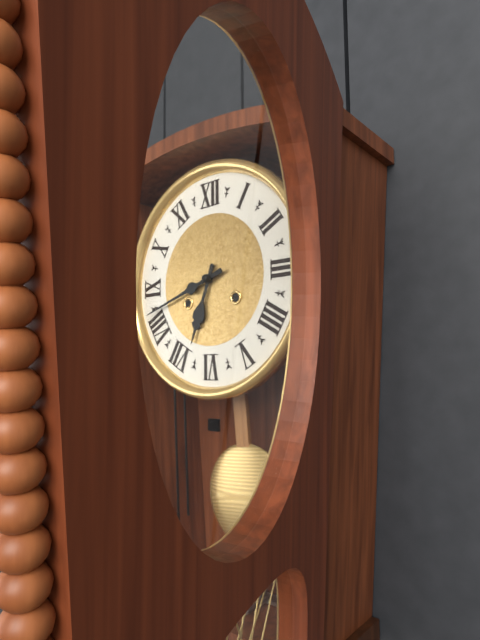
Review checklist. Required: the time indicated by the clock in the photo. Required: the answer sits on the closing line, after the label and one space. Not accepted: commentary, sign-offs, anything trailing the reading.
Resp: 6:42
